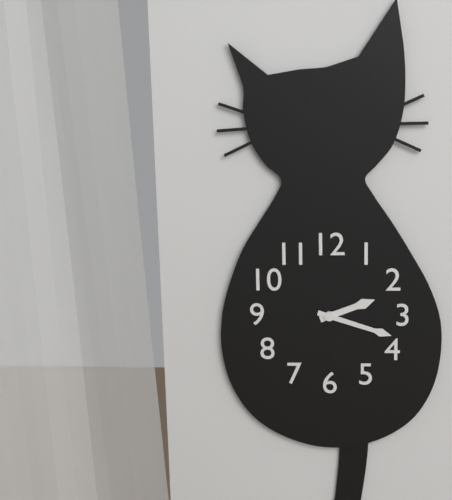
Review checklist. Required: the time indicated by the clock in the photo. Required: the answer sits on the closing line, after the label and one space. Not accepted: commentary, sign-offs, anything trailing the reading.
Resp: 2:18
